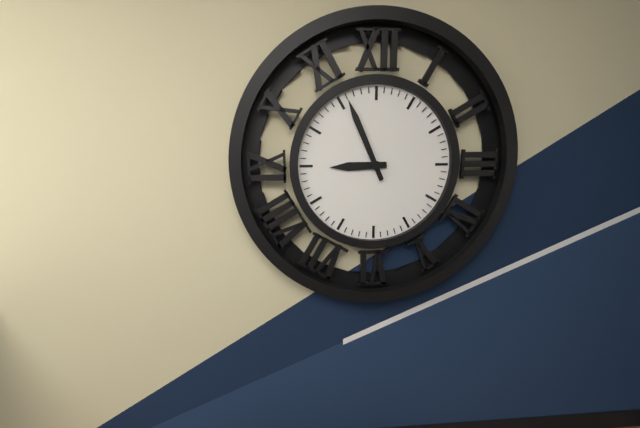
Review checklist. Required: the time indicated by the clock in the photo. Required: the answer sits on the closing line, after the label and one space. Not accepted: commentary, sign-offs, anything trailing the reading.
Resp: 8:56
